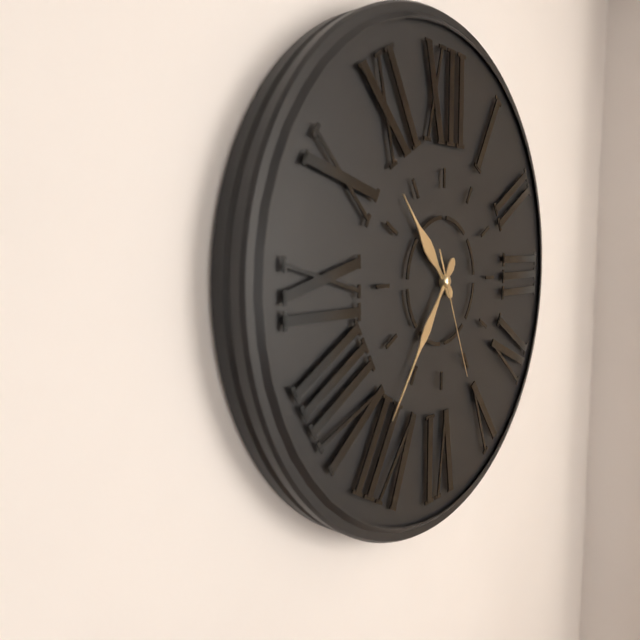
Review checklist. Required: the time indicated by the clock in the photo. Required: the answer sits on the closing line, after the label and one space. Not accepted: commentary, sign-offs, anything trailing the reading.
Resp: 10:36:26
